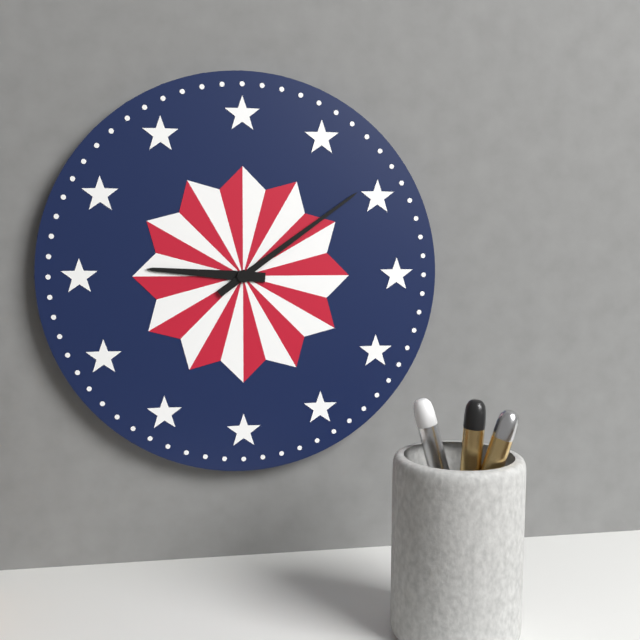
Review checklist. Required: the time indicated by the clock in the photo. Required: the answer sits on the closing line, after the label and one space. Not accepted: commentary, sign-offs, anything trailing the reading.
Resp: 9:09
